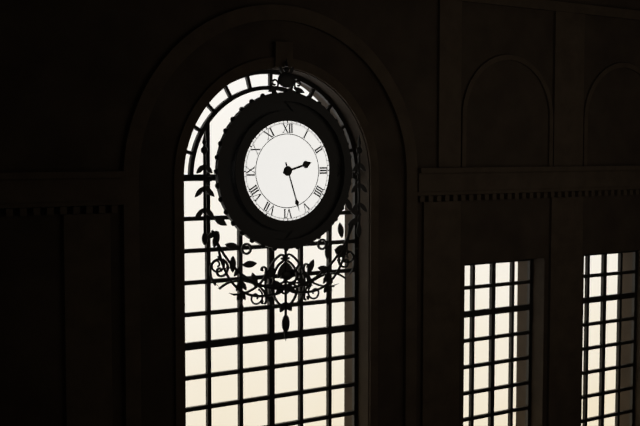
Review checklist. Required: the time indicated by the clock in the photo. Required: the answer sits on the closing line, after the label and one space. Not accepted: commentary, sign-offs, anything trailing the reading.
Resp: 2:27
